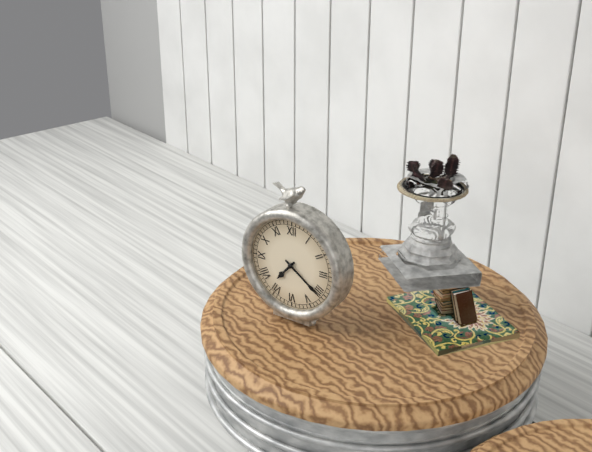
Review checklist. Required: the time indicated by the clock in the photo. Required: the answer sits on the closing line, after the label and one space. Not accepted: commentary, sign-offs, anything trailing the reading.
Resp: 7:21
